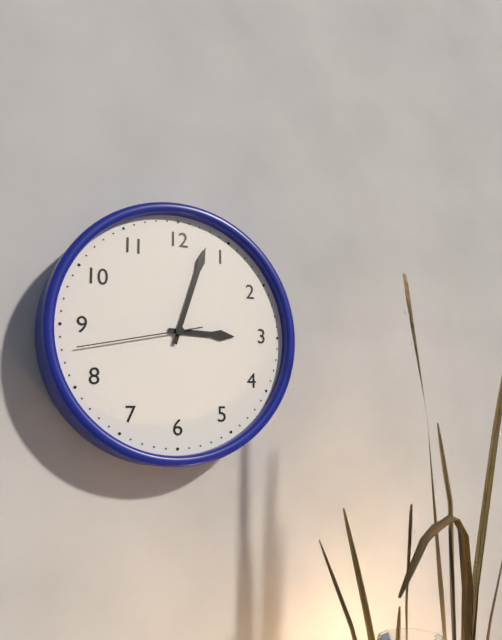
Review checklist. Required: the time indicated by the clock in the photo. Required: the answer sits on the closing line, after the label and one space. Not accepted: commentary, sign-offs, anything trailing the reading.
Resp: 3:03:43
